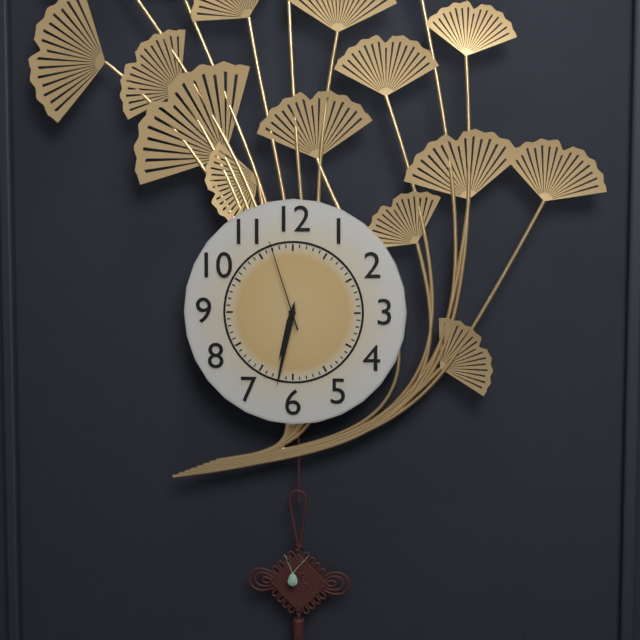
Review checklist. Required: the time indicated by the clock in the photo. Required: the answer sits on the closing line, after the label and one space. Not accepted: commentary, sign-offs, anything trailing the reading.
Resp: 6:32:57
